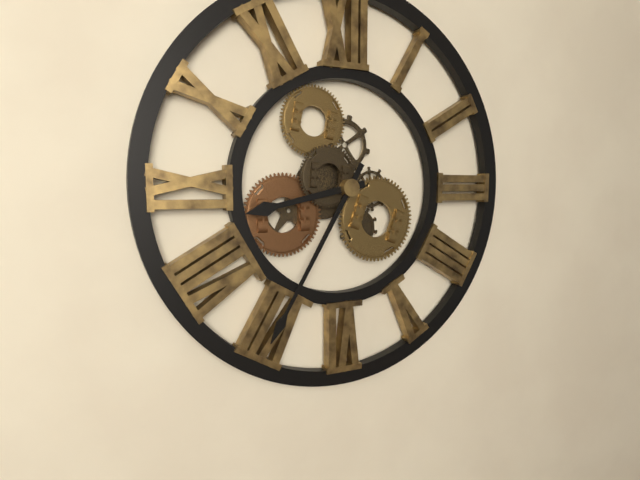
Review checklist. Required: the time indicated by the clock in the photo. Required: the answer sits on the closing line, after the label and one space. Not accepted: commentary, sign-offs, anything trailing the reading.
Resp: 8:35
